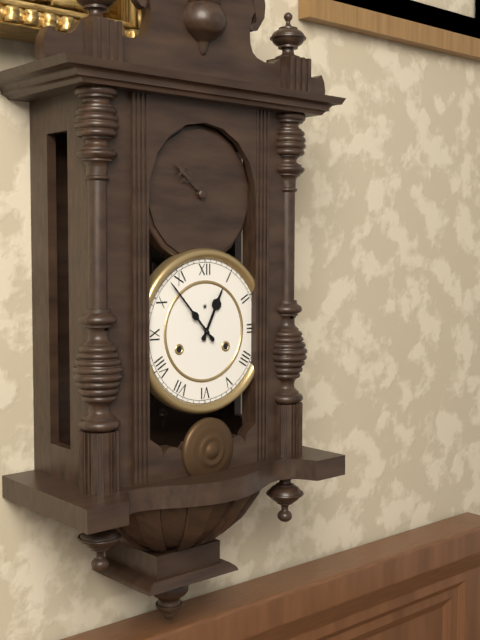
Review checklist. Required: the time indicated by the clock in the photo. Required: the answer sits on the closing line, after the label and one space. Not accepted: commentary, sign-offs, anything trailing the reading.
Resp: 12:53
